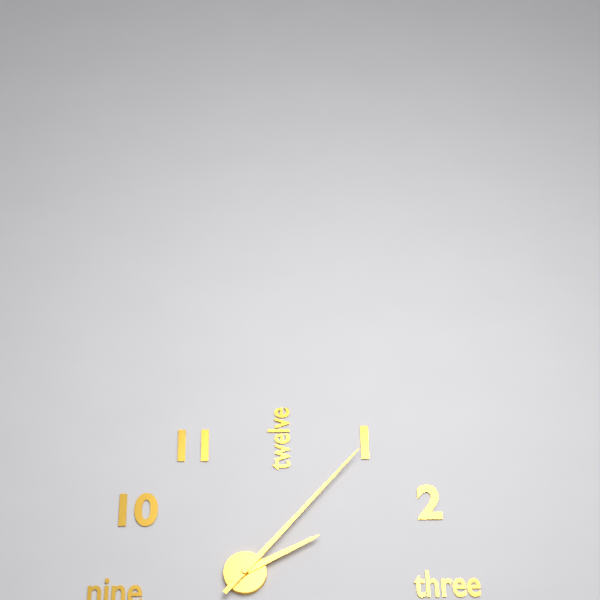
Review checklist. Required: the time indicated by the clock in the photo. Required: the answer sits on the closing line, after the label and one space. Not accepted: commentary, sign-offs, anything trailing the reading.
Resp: 2:07
